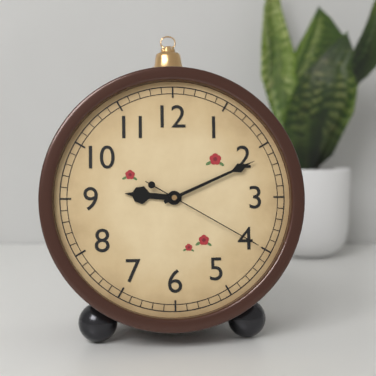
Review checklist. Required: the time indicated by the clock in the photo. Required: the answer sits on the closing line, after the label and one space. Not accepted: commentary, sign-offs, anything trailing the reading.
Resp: 9:11:20
